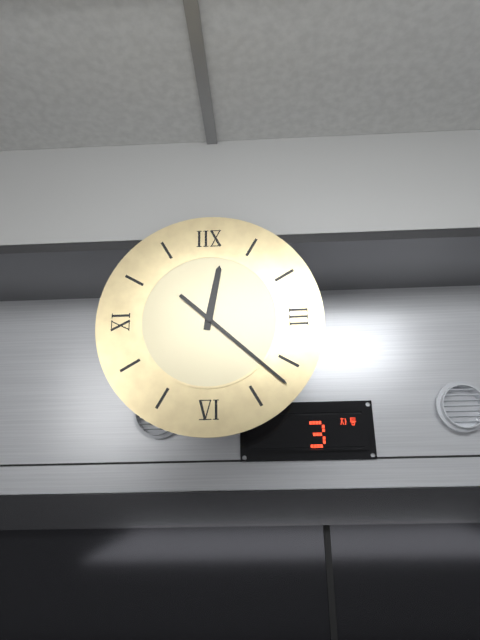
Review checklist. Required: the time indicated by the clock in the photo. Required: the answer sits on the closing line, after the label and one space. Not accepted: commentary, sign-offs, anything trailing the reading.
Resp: 12:22
